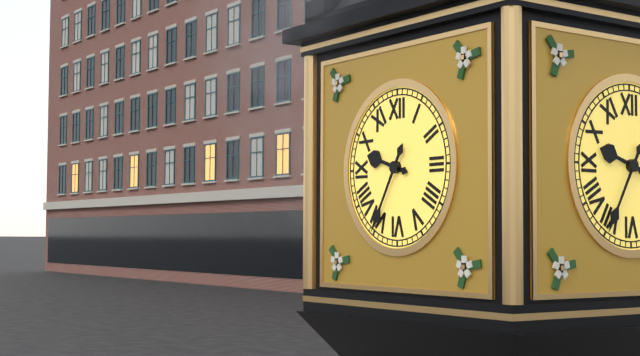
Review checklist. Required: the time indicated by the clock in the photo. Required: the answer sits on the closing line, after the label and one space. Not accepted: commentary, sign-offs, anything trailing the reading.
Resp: 9:35
